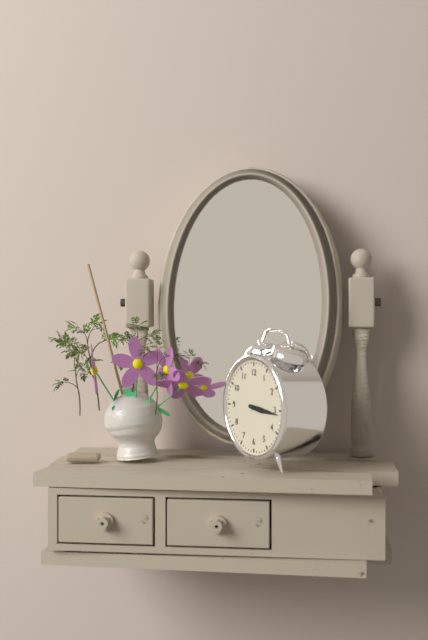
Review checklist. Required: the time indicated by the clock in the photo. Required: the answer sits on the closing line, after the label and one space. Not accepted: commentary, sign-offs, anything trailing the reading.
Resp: 3:16
